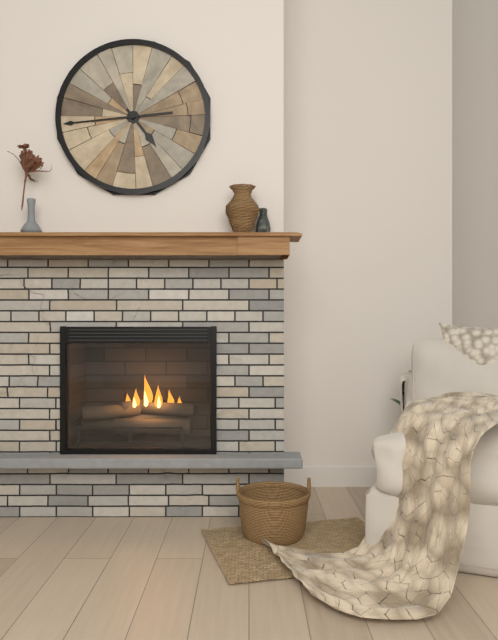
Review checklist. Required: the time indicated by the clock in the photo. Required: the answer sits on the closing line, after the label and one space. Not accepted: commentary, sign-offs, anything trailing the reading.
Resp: 4:44
